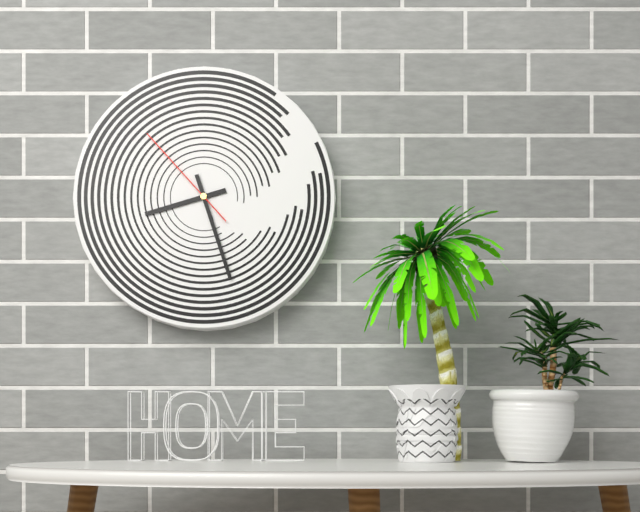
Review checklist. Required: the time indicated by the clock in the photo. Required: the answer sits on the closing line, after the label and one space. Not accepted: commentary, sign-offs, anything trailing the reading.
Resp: 8:27:53
